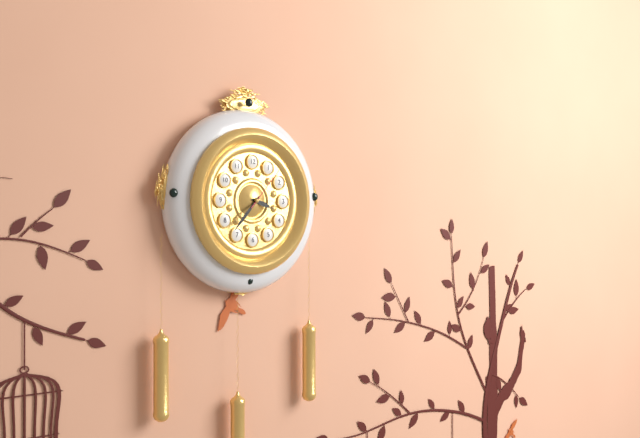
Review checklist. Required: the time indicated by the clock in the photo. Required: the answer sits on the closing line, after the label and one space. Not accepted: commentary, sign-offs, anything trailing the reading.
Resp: 3:37
